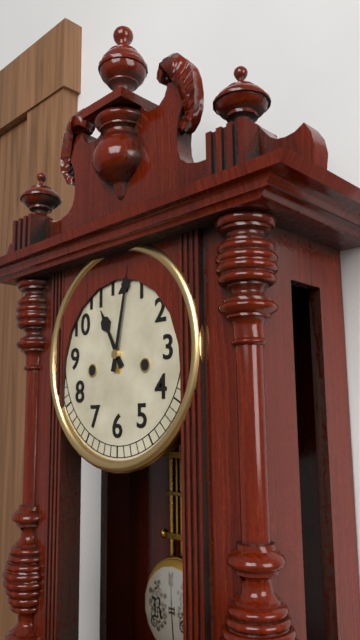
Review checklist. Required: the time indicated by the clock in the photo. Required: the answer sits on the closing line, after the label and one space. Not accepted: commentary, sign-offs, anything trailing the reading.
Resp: 11:02
